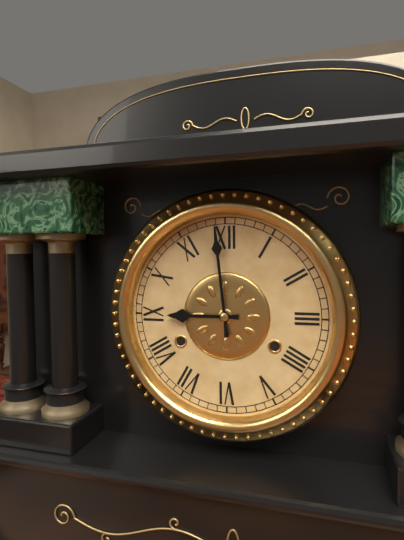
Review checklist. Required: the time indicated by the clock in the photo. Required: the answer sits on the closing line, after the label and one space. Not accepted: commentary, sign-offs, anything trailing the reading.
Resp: 8:59
